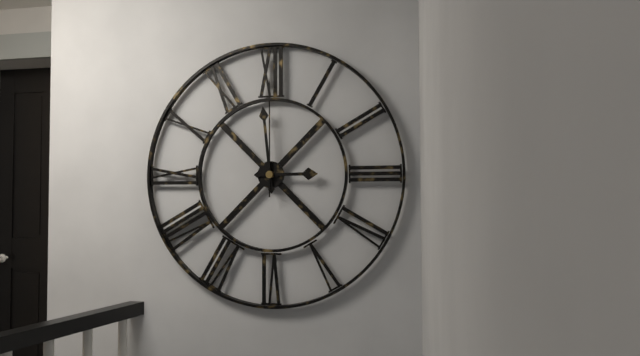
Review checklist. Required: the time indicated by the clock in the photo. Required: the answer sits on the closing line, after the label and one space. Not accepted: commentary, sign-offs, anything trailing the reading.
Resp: 2:59:00
